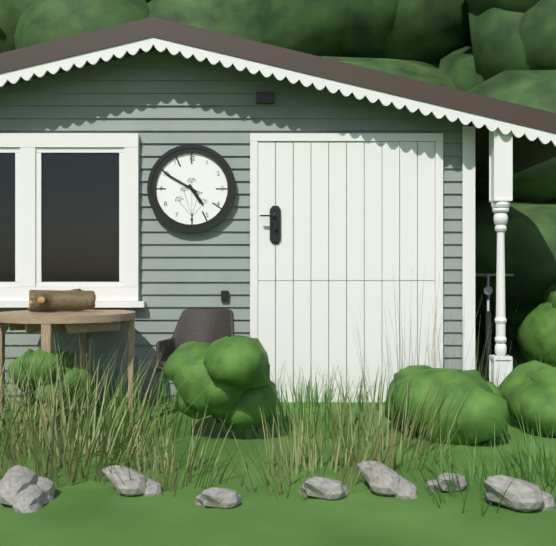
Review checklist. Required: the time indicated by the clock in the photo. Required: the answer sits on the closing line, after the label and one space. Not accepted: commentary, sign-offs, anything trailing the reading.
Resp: 4:50
